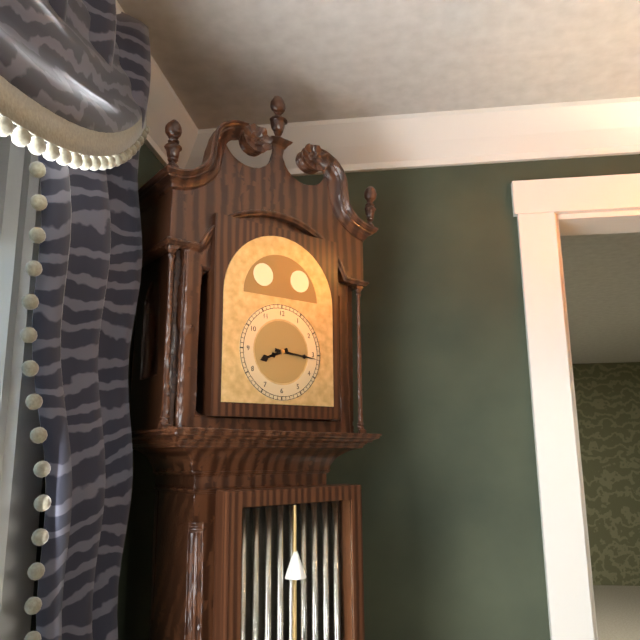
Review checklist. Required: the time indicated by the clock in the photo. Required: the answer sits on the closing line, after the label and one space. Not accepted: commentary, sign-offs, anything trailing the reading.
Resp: 8:16
